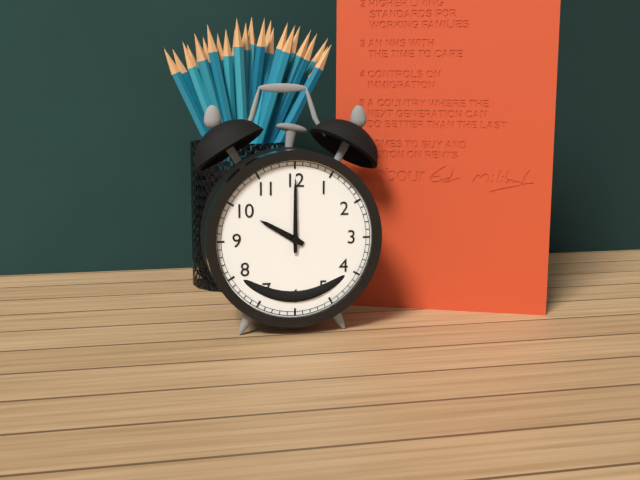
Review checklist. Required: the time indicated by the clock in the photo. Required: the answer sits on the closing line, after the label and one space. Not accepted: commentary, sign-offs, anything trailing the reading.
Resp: 10:00
